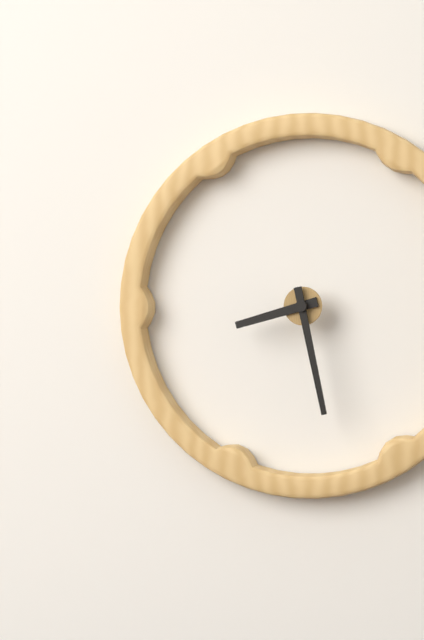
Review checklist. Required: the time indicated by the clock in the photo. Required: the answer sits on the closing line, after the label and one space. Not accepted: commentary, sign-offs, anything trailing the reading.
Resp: 8:28
